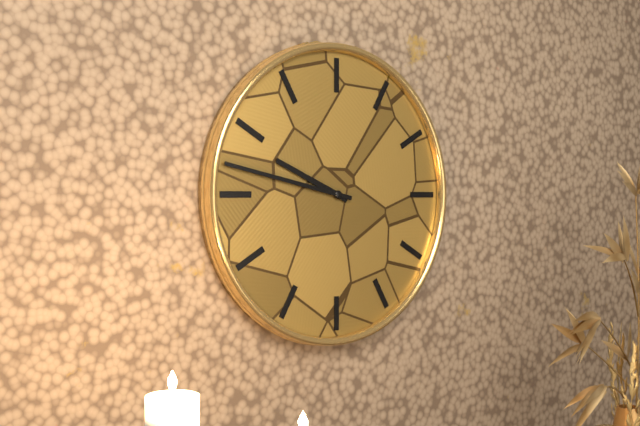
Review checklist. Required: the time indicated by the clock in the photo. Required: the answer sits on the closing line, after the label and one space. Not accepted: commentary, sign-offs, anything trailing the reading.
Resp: 9:47
